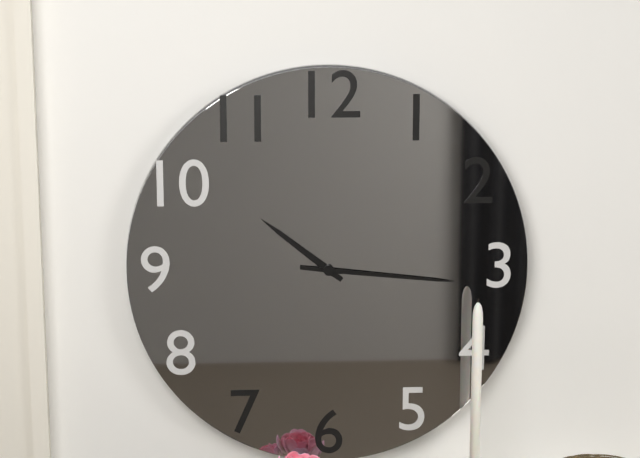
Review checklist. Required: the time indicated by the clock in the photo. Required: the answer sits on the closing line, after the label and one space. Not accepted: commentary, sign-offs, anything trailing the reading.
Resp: 10:16
